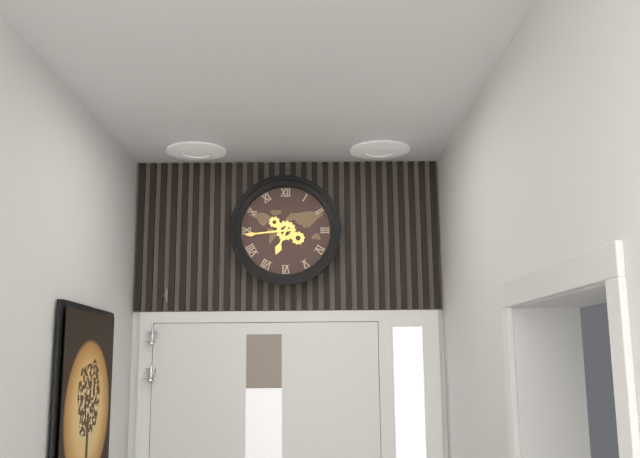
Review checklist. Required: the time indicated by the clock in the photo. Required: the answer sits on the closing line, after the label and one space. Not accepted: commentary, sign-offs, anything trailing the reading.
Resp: 6:44
